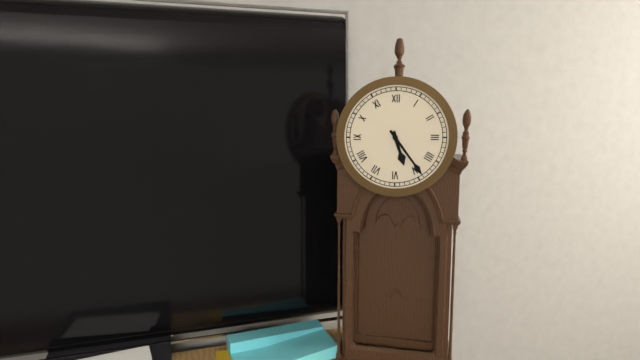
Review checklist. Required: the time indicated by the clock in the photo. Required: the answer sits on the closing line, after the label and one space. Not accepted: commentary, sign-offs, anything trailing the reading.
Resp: 5:24
